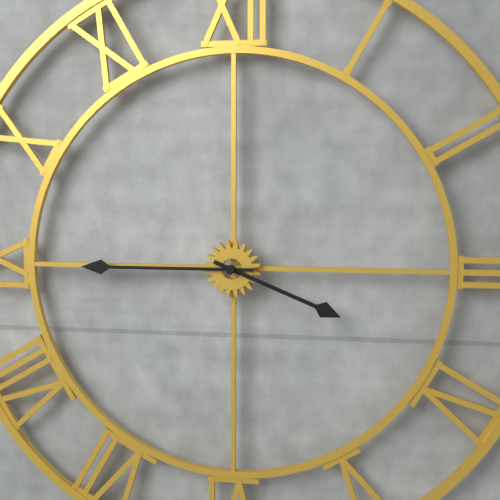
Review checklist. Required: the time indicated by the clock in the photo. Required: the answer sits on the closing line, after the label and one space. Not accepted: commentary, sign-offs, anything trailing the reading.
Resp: 3:45
